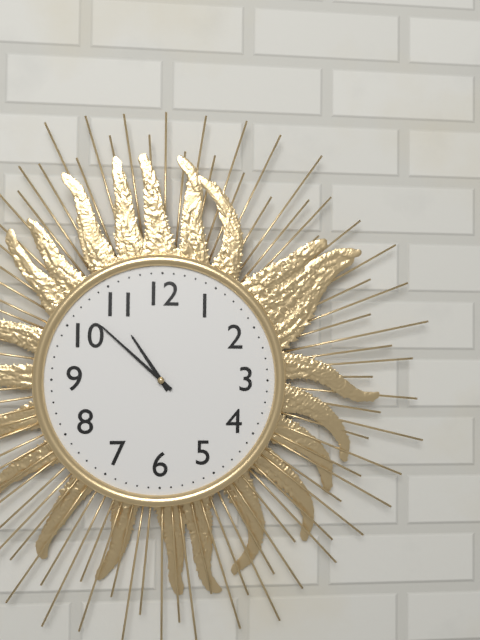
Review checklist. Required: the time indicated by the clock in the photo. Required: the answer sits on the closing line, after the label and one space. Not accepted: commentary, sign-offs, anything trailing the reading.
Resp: 10:52
